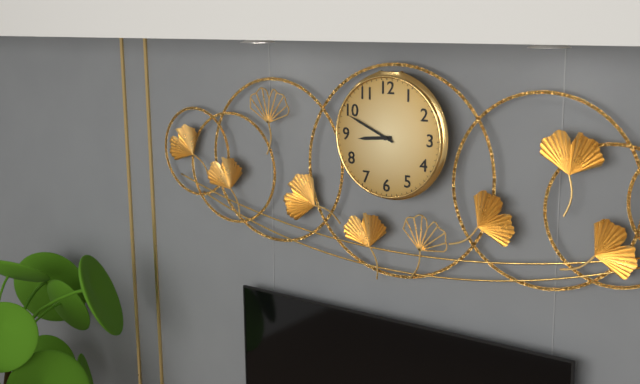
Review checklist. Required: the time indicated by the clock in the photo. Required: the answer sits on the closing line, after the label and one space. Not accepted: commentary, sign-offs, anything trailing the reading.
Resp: 8:49
